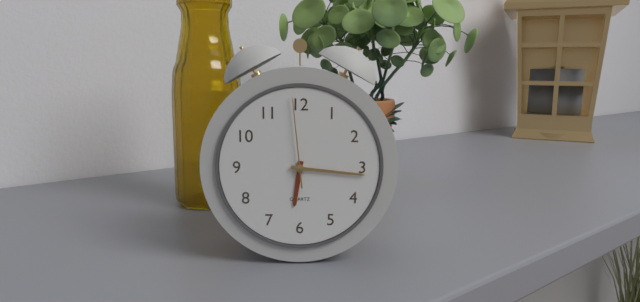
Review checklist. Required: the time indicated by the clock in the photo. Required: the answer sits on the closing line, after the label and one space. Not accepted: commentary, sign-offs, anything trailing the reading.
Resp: 6:16:59
